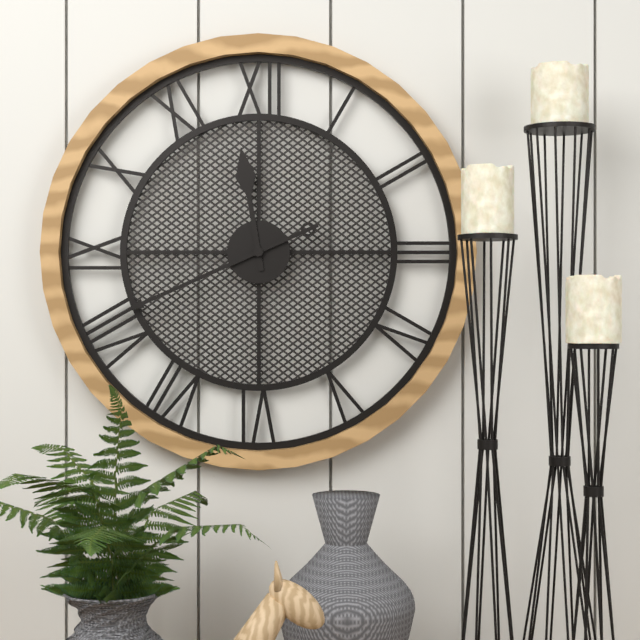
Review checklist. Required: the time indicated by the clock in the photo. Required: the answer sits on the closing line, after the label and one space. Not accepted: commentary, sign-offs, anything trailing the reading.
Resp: 11:41
